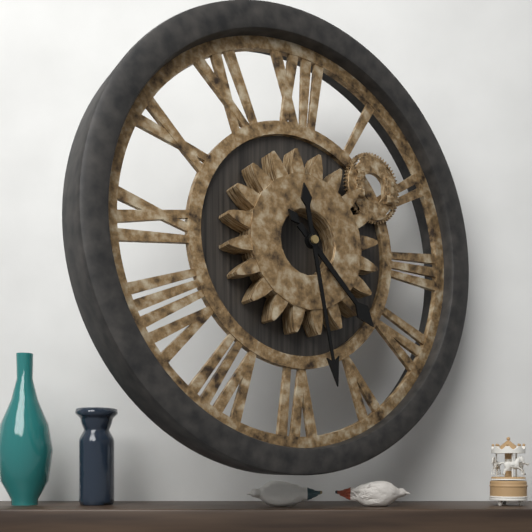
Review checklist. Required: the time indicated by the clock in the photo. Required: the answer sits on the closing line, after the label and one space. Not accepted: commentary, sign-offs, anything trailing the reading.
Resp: 4:28
